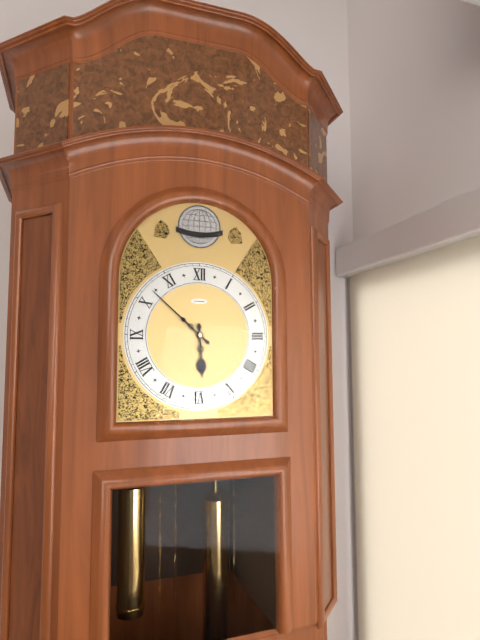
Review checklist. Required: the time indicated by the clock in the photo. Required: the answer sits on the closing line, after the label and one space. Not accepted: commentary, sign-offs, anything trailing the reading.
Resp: 5:52
